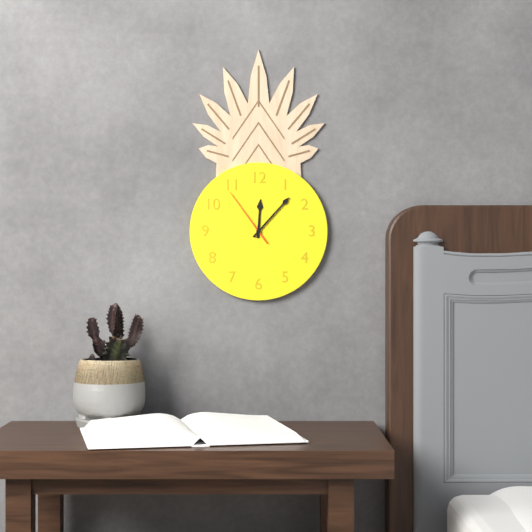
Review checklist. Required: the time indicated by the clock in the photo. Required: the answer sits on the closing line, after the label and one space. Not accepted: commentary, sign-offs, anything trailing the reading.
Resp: 12:07:54
